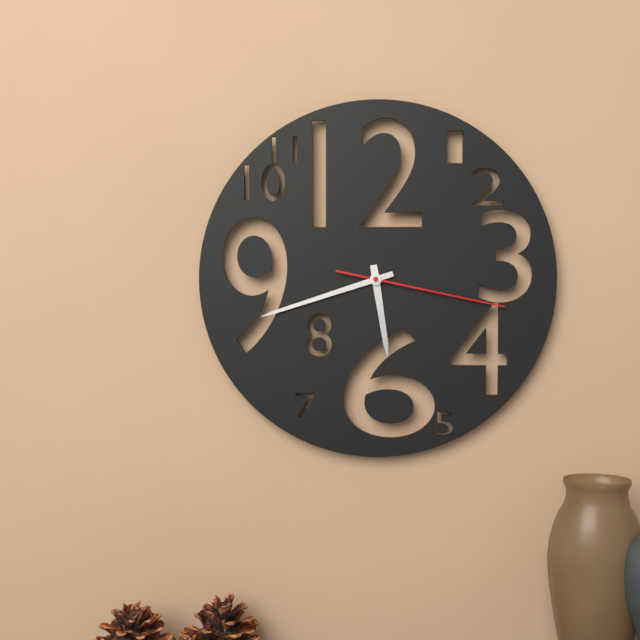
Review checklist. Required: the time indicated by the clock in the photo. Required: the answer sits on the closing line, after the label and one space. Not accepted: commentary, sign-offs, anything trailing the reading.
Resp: 5:42:17
